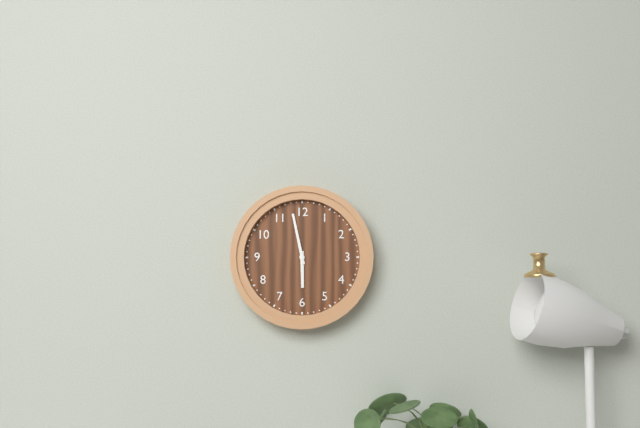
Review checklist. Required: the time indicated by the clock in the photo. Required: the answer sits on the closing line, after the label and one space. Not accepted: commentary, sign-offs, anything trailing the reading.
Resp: 5:58
